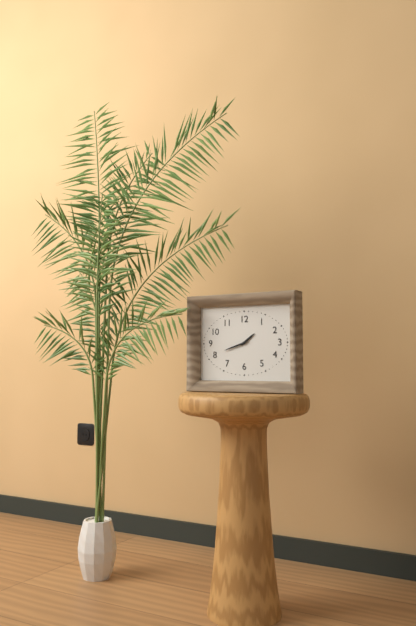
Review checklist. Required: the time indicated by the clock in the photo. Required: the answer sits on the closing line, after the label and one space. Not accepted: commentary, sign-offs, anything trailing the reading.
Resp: 1:42
